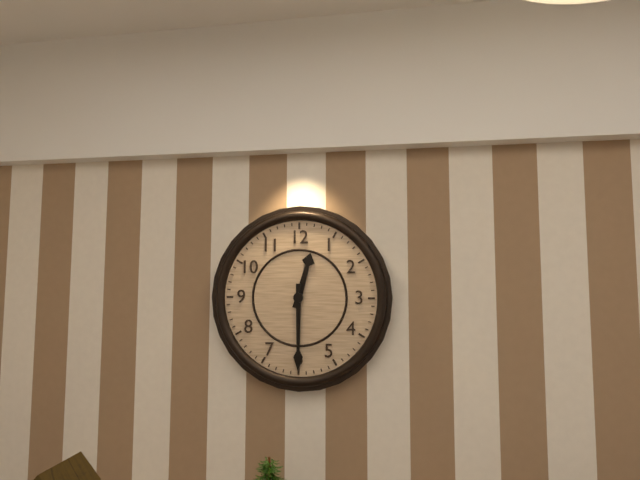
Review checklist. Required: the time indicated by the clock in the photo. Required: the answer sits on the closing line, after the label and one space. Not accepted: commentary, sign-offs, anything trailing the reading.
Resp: 12:30
